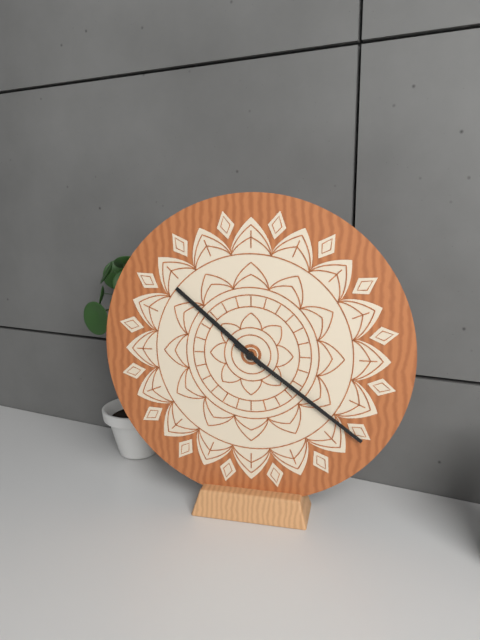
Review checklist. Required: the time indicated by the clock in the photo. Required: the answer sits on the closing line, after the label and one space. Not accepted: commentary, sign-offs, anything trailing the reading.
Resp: 10:21
